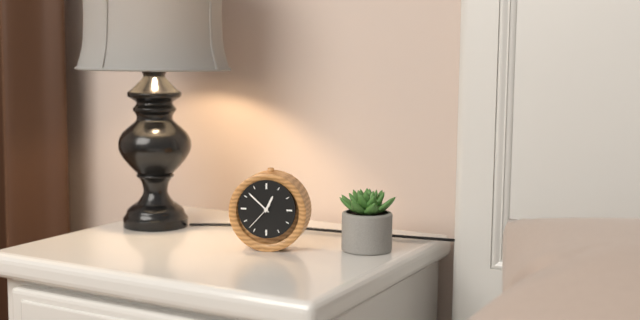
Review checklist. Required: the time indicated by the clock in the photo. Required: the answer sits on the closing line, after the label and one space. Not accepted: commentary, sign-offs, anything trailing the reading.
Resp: 12:52
